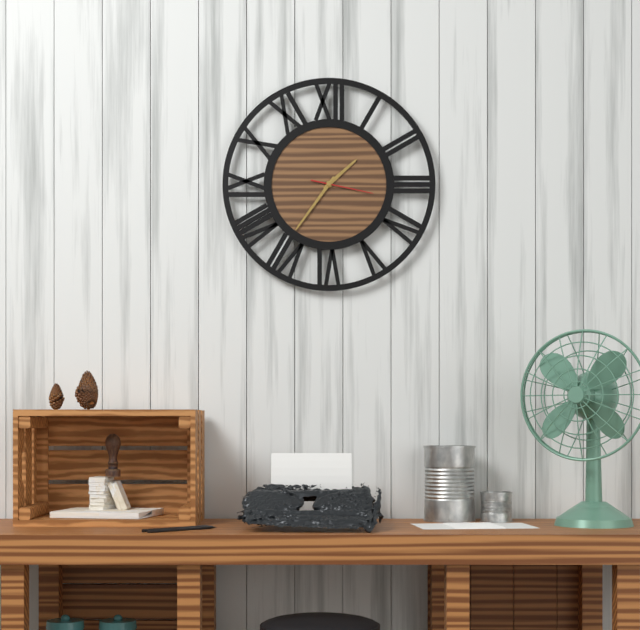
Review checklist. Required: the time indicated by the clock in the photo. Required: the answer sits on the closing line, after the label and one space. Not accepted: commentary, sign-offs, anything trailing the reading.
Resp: 1:36:17
